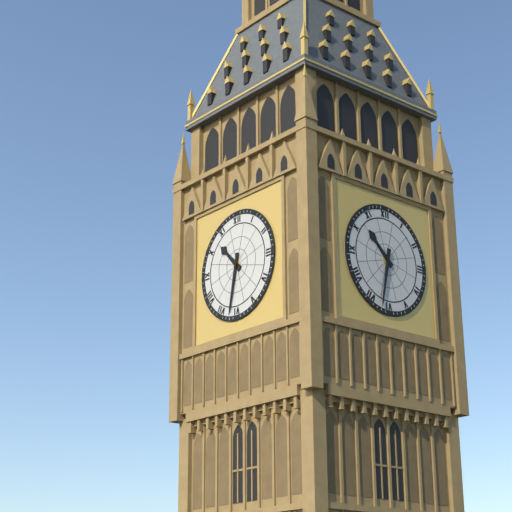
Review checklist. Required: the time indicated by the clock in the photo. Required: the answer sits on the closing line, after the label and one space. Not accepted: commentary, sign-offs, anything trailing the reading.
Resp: 10:32
